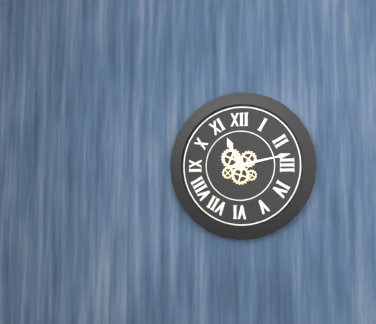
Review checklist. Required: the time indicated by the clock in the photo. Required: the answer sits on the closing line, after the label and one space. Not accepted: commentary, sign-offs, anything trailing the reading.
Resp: 11:13
